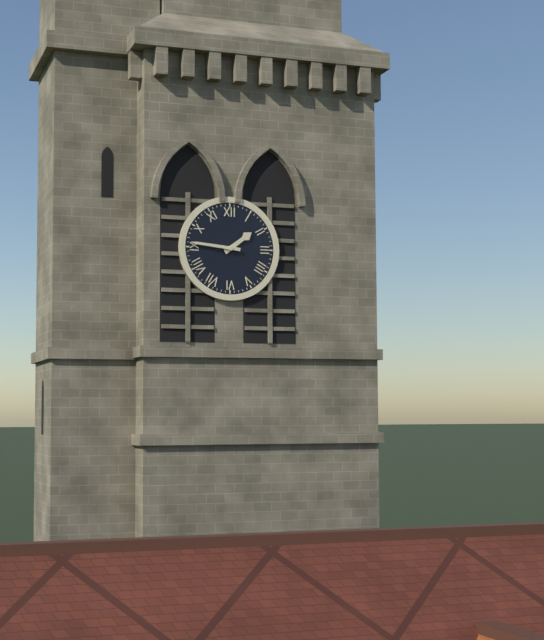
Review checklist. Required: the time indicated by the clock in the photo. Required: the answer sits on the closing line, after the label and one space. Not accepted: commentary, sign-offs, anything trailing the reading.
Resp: 1:46
